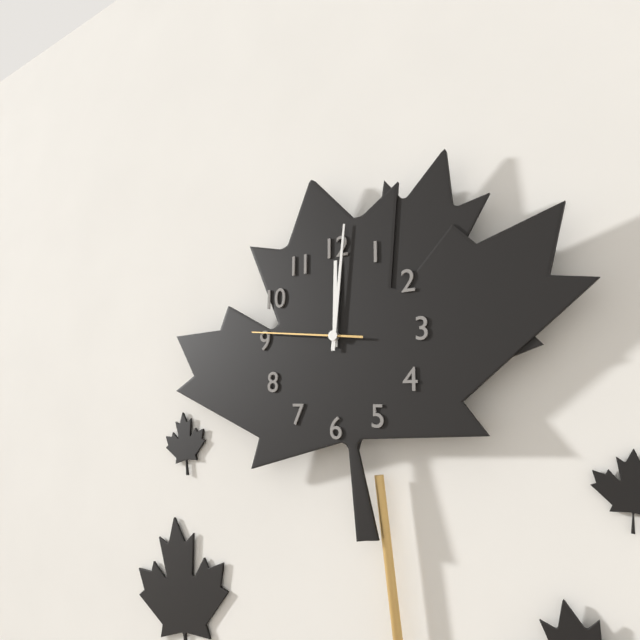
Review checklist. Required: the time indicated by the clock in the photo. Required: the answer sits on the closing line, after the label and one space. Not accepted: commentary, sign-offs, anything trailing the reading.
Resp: 12:01:46
